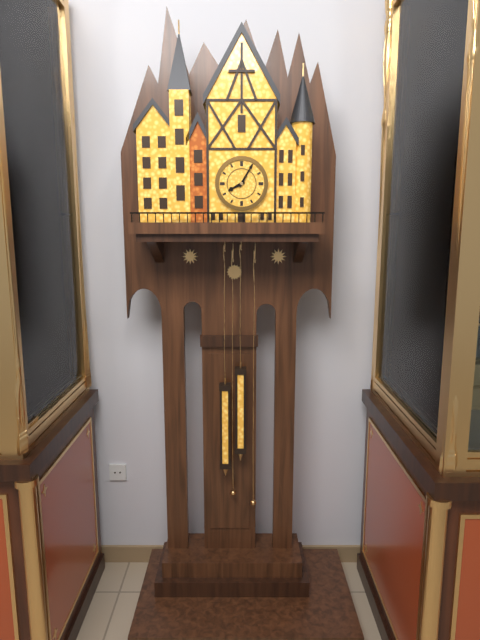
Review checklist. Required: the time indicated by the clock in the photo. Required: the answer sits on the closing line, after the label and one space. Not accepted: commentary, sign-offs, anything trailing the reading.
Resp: 8:05
